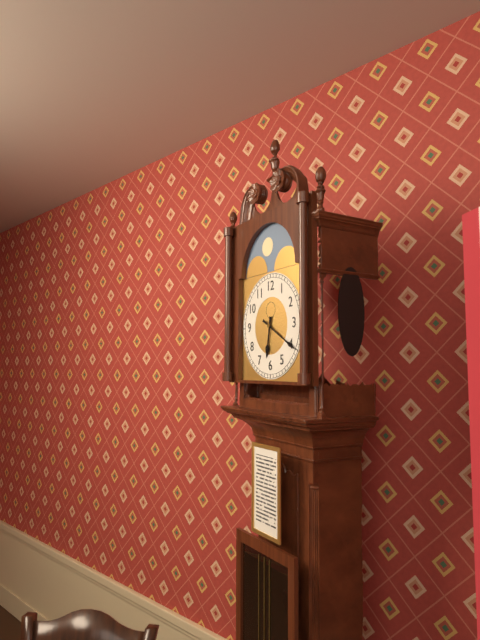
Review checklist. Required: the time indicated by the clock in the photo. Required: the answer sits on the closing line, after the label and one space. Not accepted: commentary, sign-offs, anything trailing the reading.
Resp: 6:20
